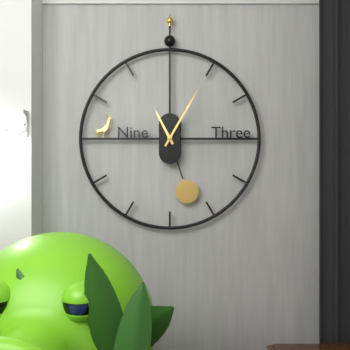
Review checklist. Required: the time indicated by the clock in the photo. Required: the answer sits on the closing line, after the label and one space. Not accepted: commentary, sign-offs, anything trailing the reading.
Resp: 11:05
